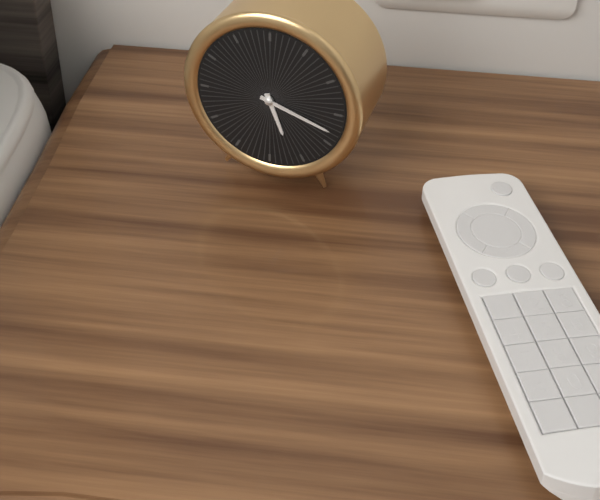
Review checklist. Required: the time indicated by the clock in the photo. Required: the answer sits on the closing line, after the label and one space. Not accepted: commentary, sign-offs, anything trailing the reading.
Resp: 5:18
